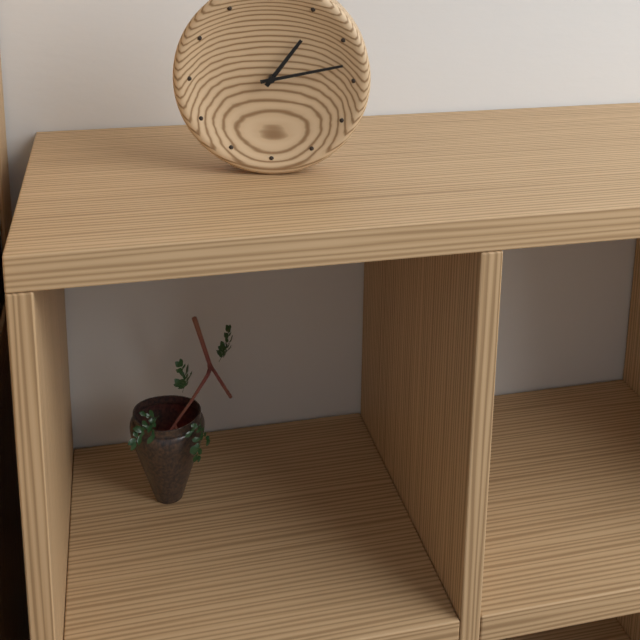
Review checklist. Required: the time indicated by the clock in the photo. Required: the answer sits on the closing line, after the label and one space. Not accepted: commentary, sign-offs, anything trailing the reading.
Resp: 1:13
